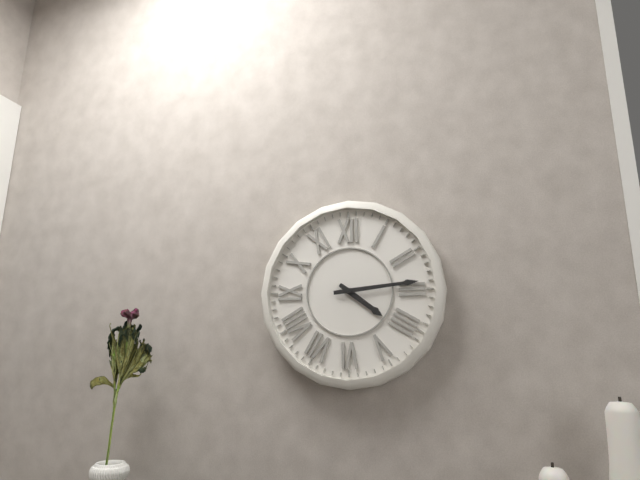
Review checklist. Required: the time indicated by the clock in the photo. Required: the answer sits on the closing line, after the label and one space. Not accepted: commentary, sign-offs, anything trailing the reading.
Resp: 4:14
